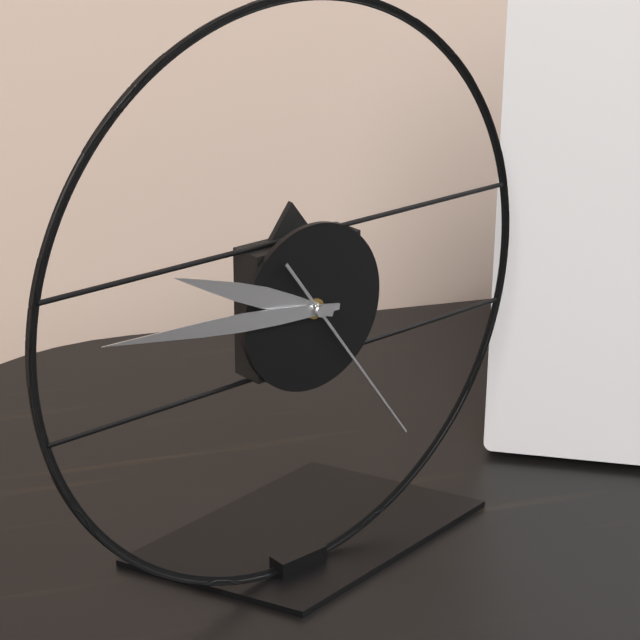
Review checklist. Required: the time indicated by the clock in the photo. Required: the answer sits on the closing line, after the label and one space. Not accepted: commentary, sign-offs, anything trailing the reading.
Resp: 9:46:24
